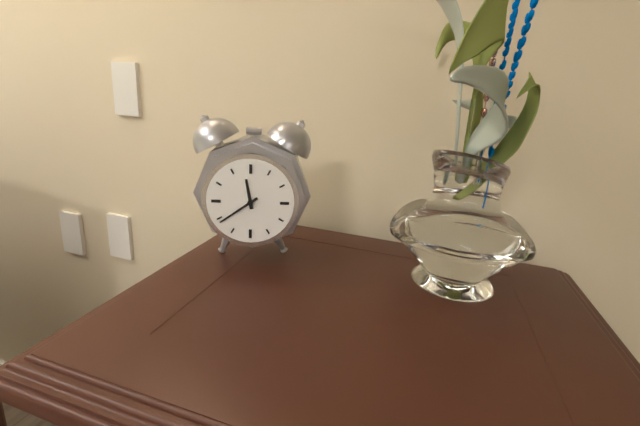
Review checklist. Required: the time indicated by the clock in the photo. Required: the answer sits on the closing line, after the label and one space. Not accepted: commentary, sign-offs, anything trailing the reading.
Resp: 11:39
